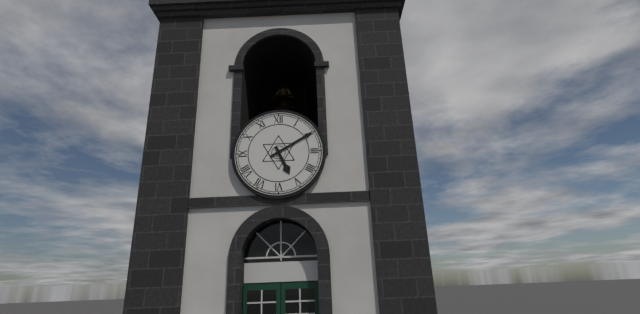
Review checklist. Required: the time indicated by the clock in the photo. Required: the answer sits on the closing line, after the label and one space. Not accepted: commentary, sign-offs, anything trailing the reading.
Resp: 5:10
